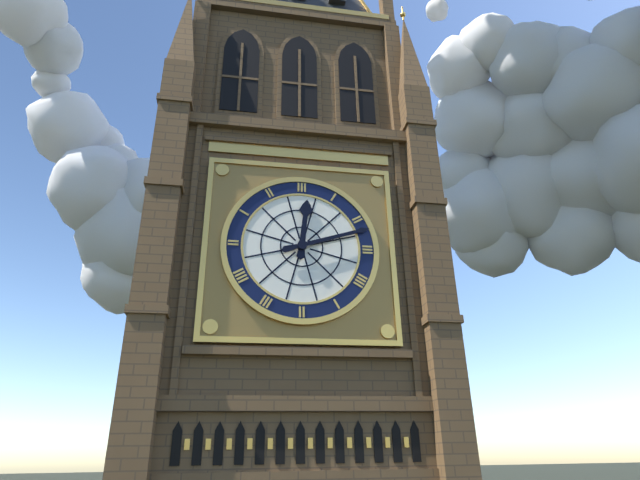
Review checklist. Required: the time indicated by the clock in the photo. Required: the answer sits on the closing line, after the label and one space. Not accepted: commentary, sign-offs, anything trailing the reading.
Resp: 12:12
